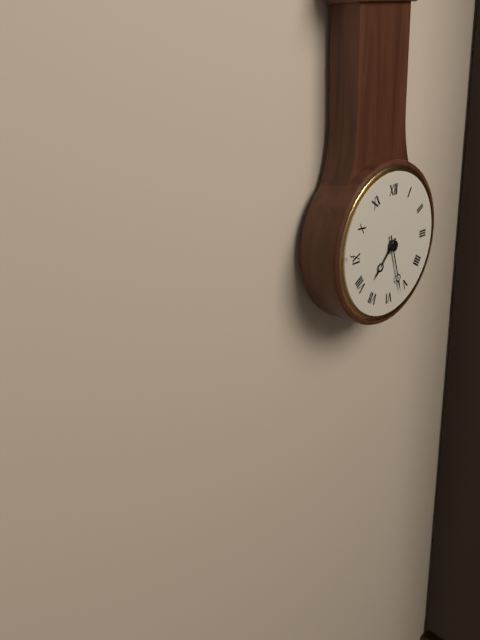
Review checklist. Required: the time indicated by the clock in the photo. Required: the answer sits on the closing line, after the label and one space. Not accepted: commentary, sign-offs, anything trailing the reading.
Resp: 7:27
